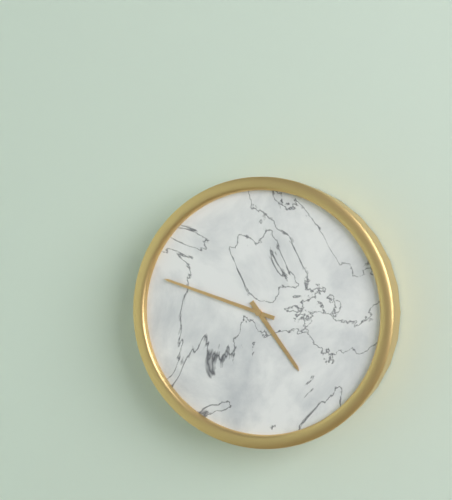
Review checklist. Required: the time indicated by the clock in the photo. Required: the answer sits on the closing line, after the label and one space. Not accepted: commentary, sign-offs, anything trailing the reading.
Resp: 4:48
